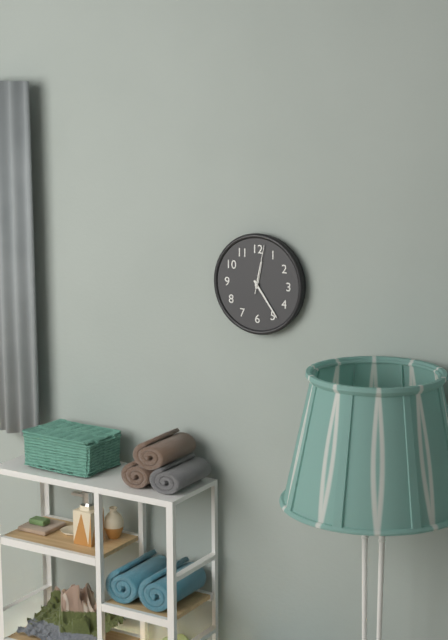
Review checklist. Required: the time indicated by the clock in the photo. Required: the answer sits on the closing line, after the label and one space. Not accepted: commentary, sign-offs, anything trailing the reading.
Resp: 12:24
